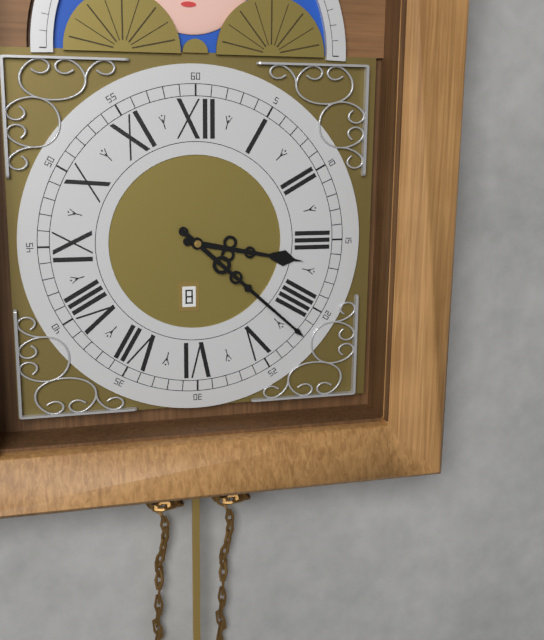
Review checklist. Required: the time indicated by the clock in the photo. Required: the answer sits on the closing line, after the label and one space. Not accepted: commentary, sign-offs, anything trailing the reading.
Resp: 3:22
